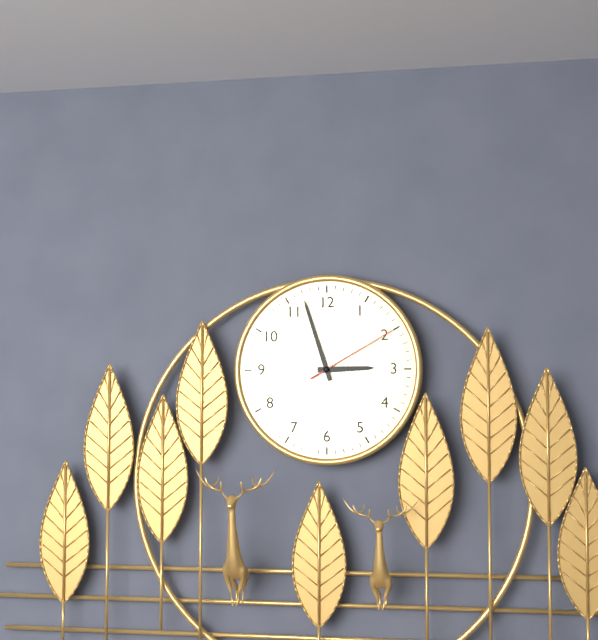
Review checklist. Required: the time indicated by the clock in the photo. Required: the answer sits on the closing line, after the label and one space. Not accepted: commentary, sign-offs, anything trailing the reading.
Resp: 2:57:10
